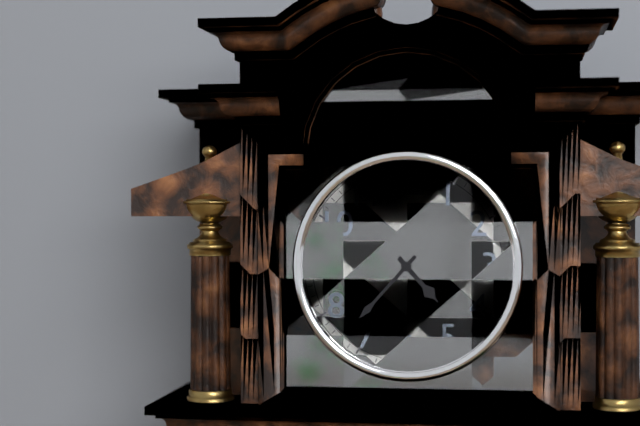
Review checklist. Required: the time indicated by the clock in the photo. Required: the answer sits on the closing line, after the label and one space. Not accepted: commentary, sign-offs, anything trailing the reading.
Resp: 4:37
